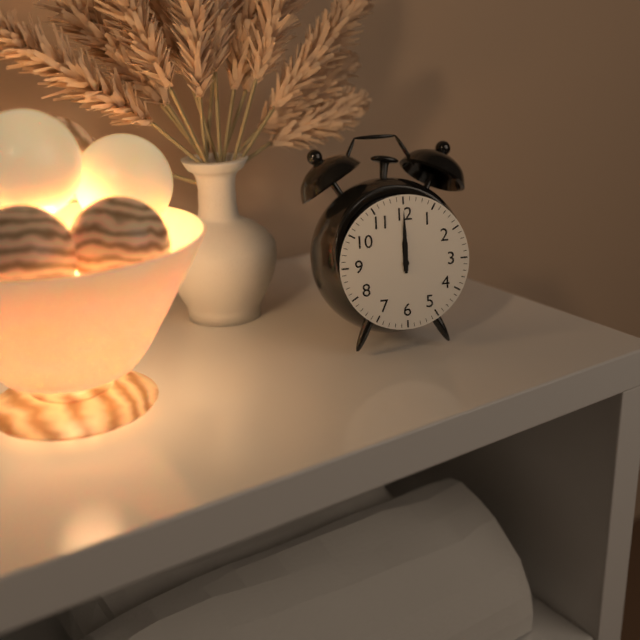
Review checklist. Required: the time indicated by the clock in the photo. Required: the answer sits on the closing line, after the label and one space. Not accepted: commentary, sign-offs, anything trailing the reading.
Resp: 12:00
